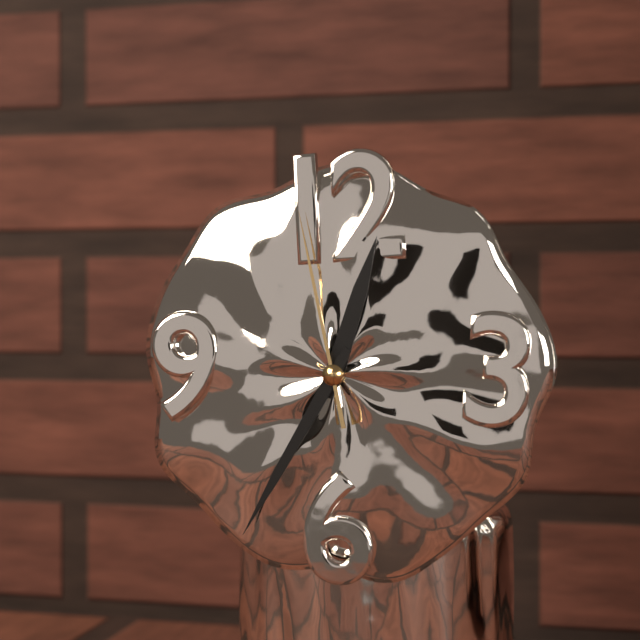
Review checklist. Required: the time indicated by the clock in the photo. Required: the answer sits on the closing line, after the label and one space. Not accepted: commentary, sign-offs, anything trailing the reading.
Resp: 12:35:58
